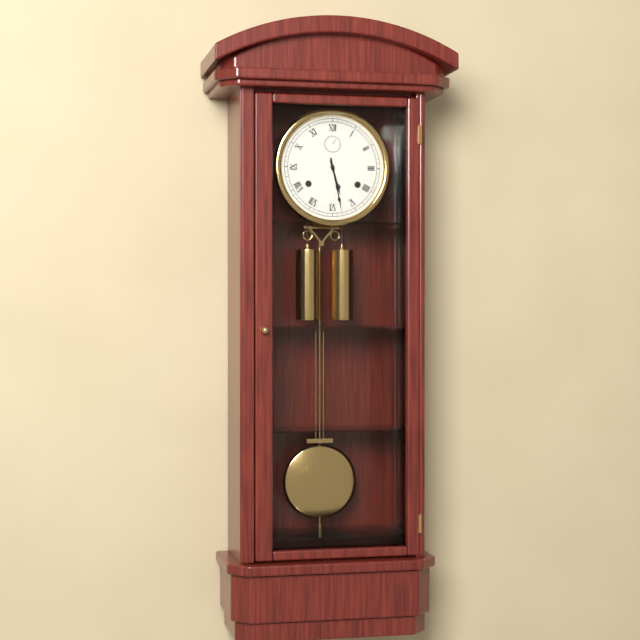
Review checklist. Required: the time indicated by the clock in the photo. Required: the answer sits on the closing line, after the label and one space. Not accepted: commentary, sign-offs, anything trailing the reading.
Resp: 5:28
